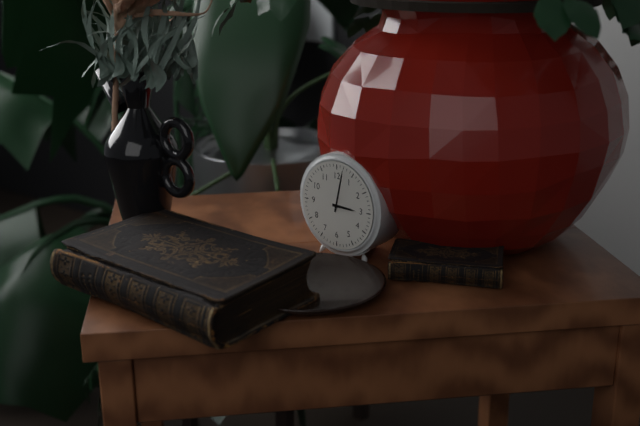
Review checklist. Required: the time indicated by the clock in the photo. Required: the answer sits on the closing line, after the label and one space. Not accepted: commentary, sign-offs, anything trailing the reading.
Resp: 3:02
